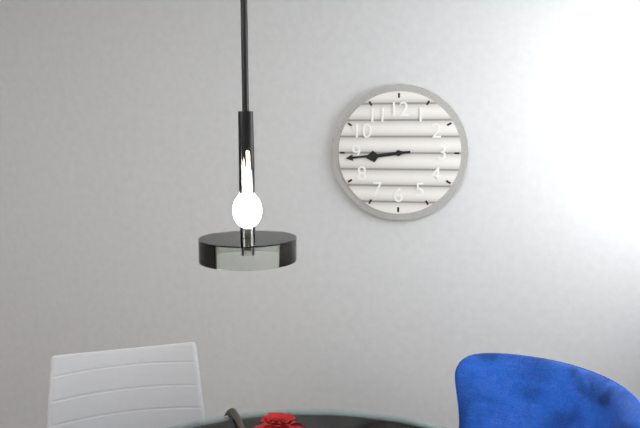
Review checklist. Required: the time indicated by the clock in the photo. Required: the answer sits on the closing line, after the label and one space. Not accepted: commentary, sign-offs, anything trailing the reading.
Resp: 8:44
